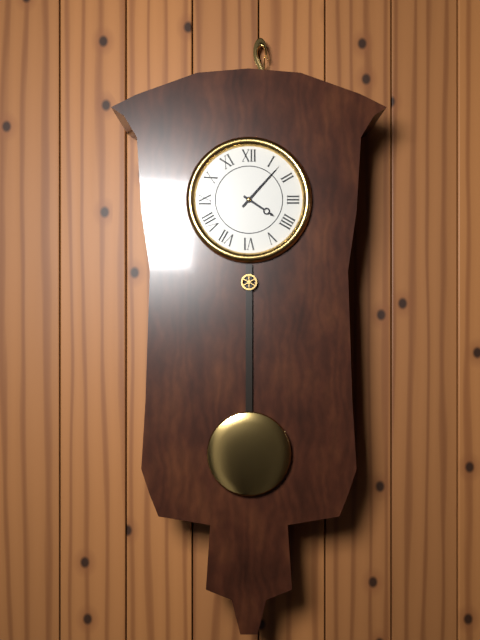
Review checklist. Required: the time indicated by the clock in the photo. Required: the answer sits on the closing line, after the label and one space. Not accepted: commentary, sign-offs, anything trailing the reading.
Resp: 4:07
